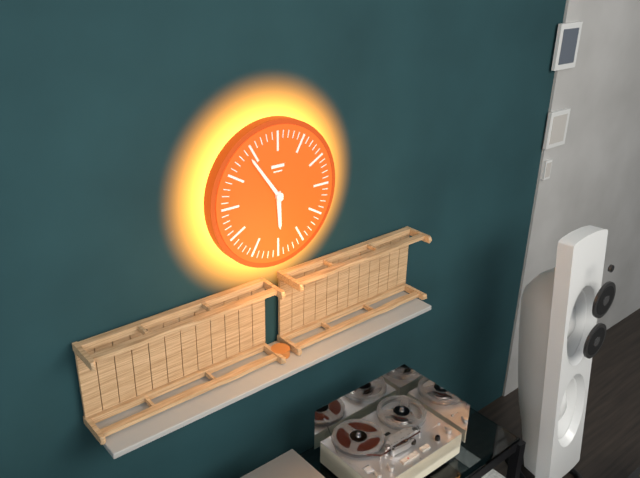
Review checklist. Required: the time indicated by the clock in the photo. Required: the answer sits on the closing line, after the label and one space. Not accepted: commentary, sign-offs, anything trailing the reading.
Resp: 5:54
